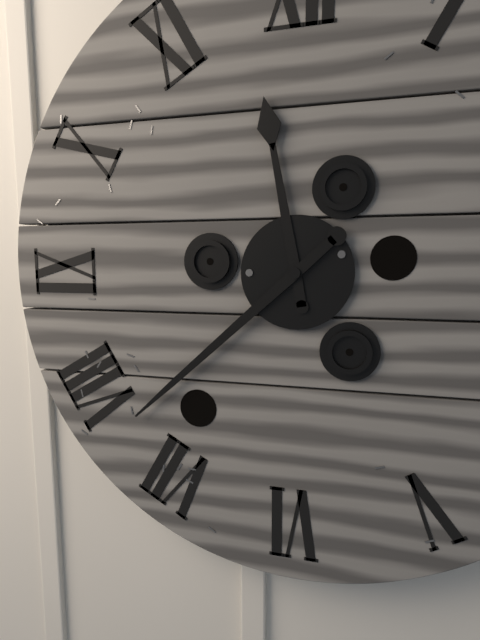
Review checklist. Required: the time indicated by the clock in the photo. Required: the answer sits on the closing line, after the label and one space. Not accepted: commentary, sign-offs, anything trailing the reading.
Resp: 11:38
